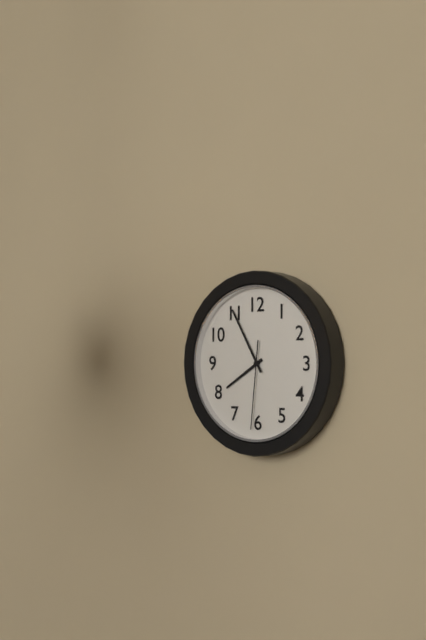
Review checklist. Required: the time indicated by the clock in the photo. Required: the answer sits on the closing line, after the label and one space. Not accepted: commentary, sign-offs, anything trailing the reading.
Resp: 7:55:31
